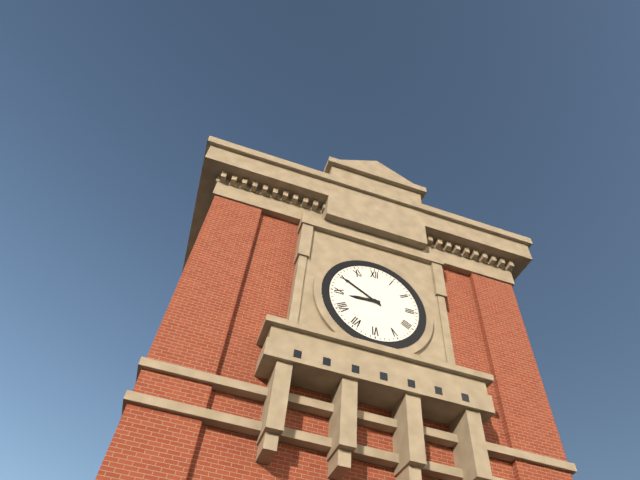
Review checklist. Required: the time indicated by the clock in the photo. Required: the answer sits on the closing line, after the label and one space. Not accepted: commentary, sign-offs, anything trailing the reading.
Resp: 8:50
